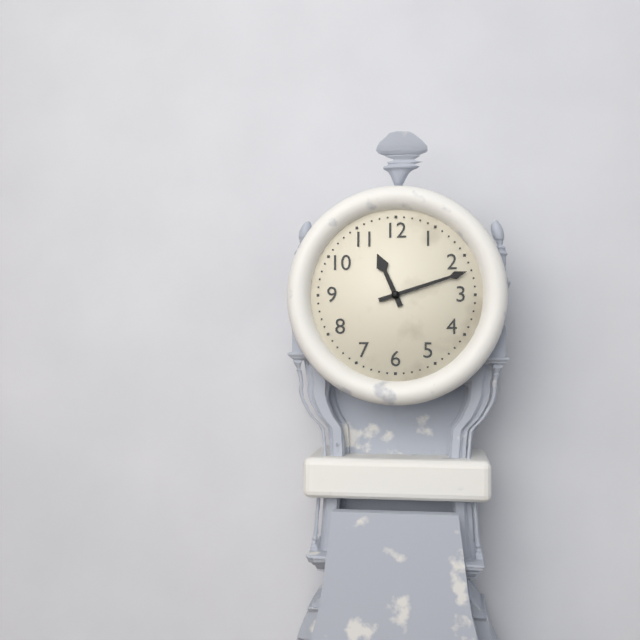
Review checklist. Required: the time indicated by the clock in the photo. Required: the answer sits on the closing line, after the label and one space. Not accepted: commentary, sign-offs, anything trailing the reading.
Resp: 11:12
